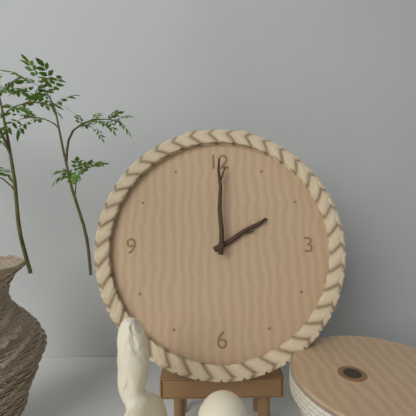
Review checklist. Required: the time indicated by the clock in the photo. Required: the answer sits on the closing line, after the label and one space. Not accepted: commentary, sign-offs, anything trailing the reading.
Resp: 2:00
